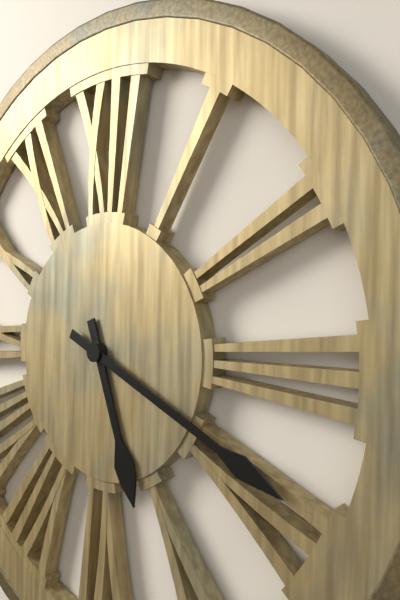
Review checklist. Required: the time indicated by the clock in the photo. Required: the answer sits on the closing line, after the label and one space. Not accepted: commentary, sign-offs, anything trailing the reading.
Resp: 5:19
